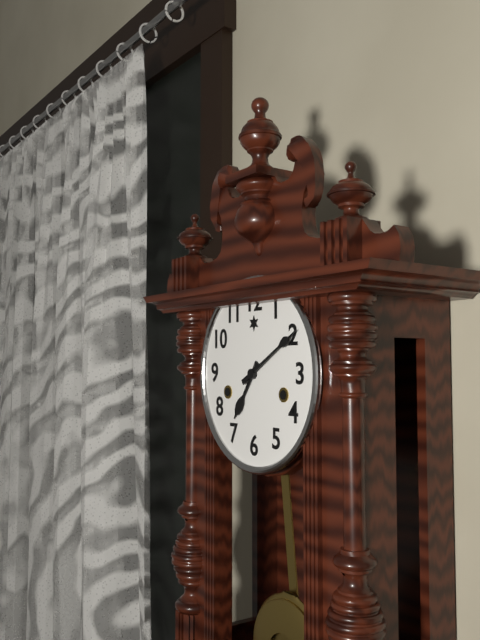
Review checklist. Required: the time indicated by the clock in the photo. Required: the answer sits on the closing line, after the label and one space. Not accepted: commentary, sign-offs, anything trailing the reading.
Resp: 7:10
